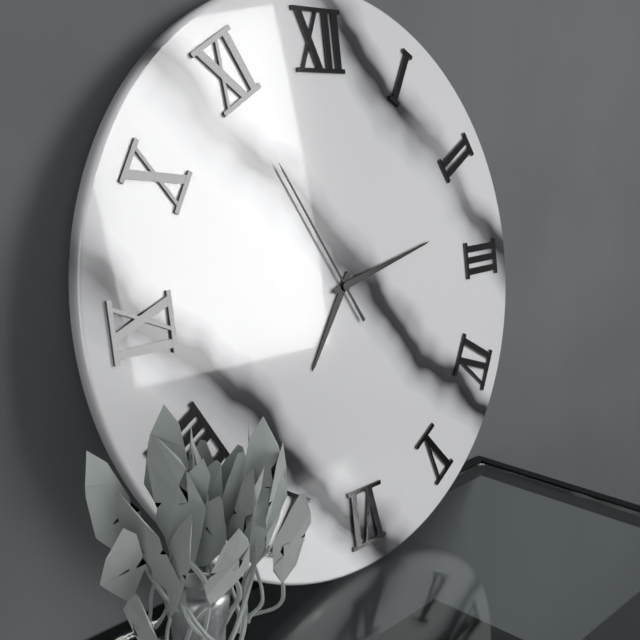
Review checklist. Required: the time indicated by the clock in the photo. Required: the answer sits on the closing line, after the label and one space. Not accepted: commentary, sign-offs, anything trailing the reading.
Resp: 7:13:55
